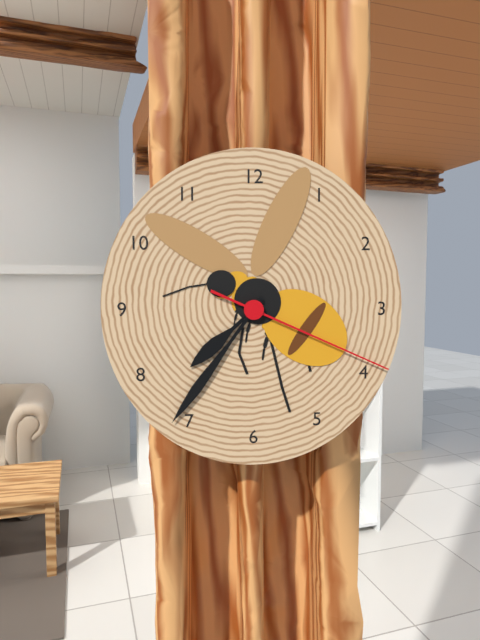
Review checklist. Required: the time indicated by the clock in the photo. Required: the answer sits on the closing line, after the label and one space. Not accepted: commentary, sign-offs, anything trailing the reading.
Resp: 7:36:19
